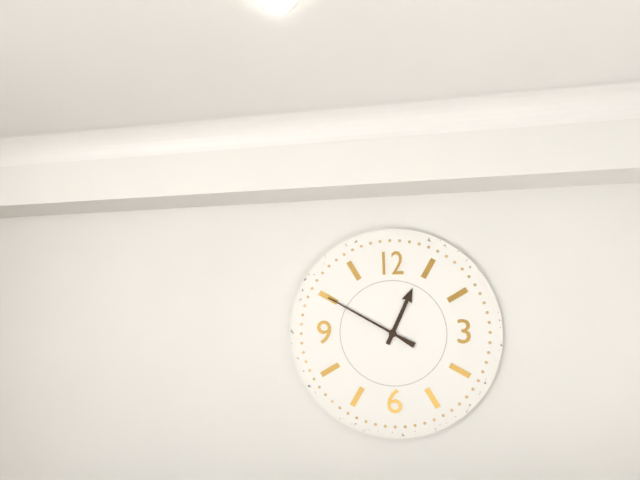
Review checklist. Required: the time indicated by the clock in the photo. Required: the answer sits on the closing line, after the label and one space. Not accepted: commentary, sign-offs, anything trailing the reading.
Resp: 12:50
